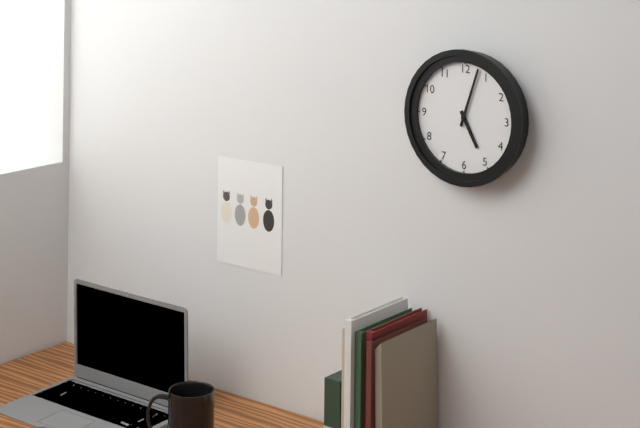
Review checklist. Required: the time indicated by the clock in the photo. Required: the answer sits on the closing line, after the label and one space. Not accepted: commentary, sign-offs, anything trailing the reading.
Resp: 5:03
